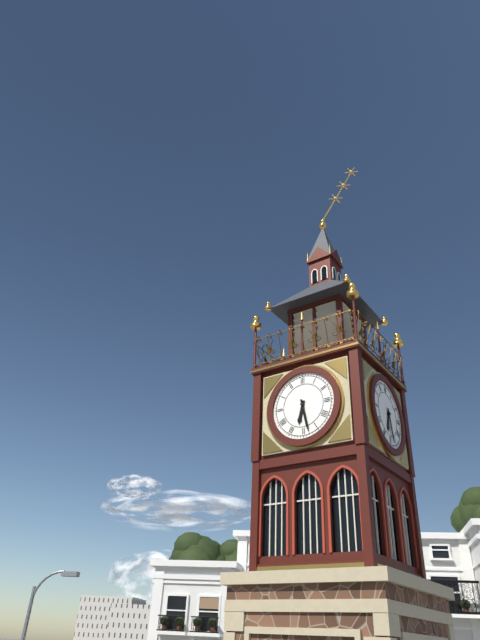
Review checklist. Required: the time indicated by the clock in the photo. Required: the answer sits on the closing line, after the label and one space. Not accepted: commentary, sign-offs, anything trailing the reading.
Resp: 6:28
